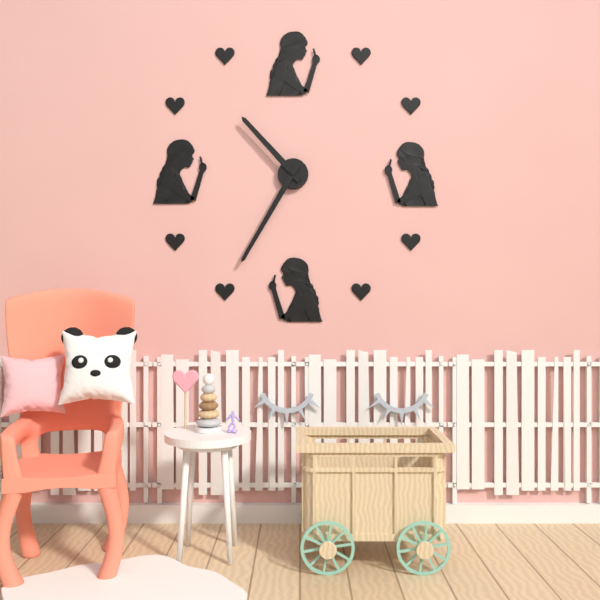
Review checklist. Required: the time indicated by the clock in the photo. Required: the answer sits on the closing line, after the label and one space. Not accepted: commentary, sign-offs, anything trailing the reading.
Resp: 10:35
